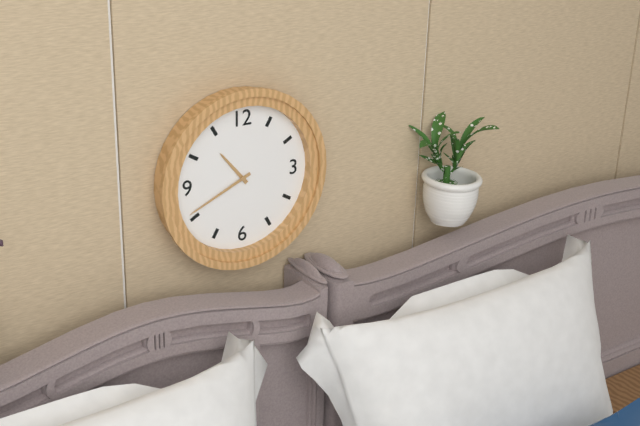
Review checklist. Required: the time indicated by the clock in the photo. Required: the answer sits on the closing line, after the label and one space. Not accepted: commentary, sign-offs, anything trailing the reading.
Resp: 10:41
